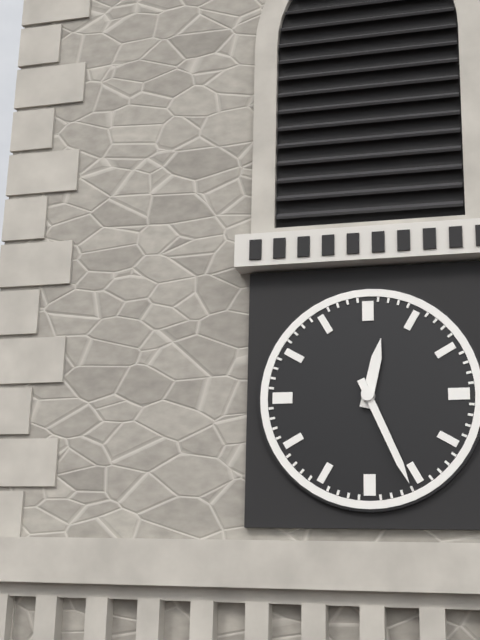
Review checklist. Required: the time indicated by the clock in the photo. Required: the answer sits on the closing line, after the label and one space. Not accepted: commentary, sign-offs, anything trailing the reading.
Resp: 12:26
